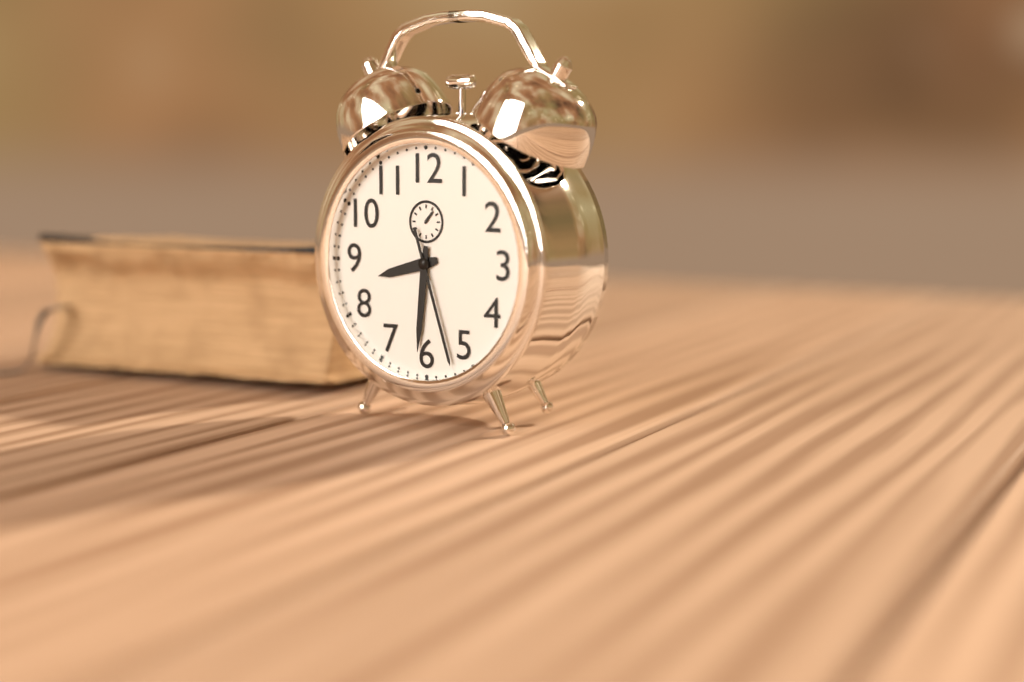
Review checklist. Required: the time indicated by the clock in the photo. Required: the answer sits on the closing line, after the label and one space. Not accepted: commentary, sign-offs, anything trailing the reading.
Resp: 8:31:27
